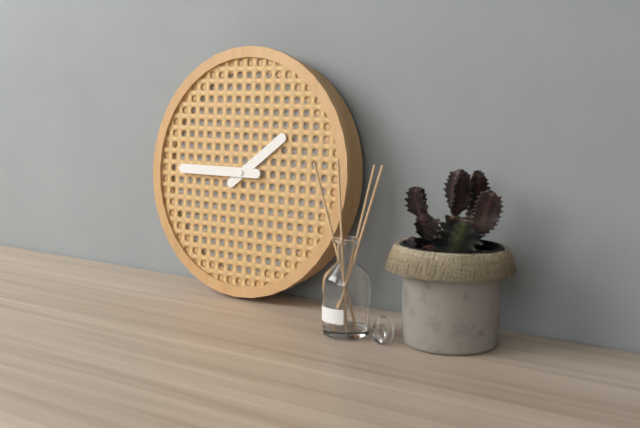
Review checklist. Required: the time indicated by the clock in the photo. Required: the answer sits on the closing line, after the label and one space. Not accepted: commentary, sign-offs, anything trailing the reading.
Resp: 1:45
